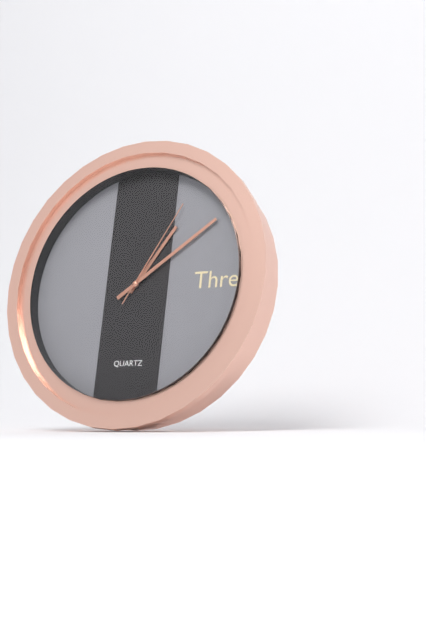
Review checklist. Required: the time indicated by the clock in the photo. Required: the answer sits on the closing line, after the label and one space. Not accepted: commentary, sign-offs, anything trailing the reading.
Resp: 1:09:05
